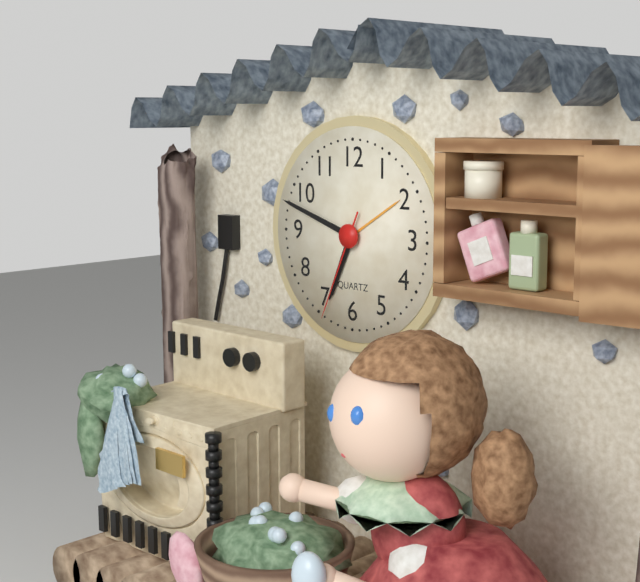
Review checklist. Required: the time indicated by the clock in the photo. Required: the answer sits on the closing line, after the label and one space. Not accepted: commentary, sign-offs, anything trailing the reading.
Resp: 6:48:34
